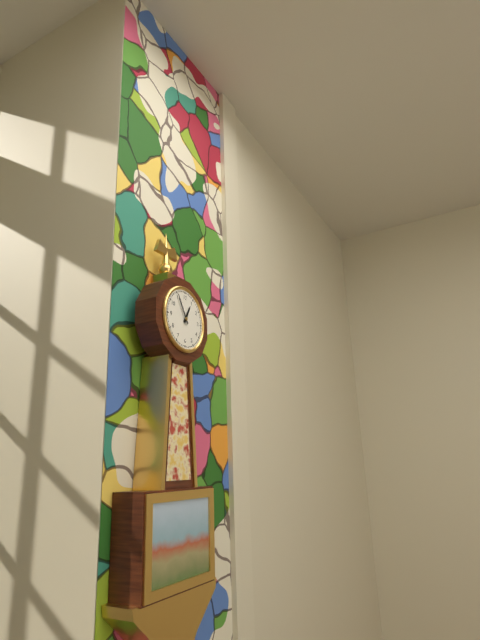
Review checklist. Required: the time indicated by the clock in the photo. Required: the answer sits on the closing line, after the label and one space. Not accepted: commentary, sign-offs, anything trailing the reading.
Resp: 12:55
